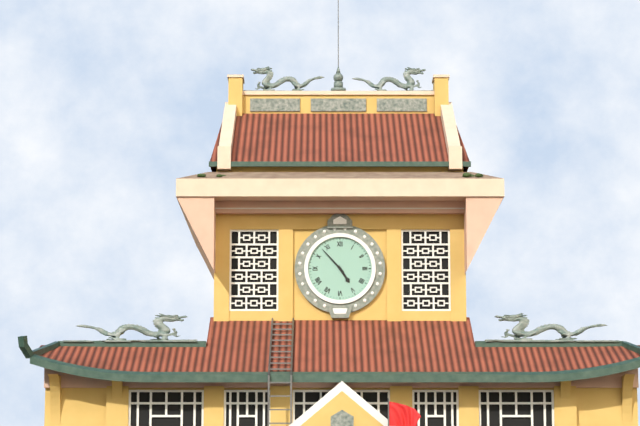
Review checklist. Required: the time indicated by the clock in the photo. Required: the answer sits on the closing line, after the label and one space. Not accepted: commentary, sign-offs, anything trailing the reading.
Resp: 4:53
